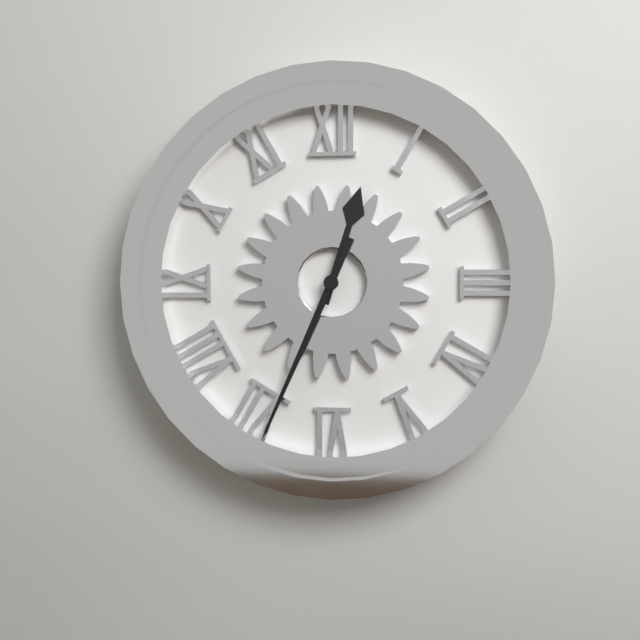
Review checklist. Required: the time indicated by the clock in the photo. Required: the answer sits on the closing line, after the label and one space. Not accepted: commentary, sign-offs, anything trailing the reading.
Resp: 12:34
